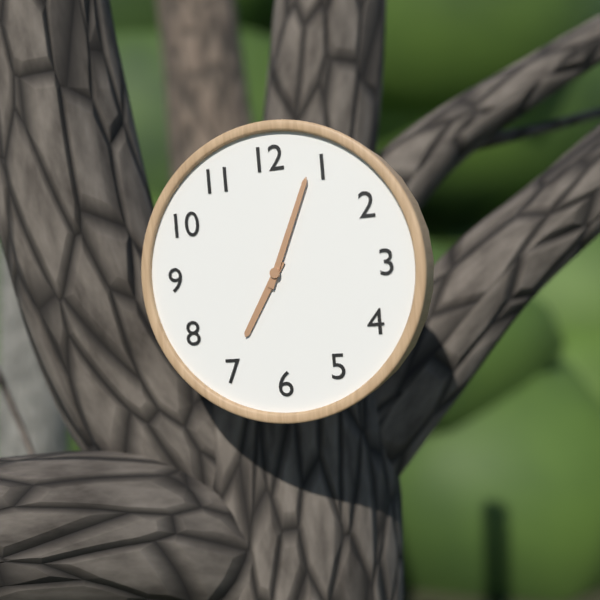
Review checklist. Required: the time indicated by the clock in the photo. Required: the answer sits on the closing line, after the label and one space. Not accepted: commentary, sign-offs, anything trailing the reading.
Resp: 7:04
